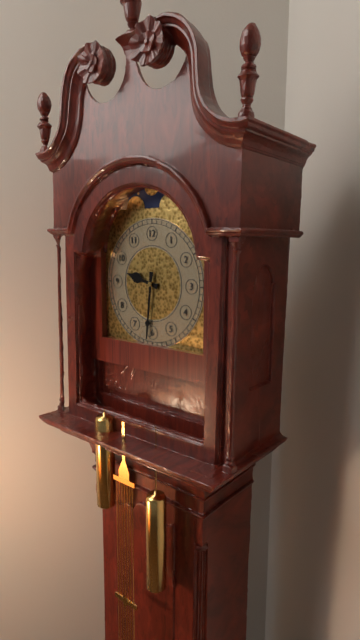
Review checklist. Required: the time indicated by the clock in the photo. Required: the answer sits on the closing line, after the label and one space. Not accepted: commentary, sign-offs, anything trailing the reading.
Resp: 9:31
